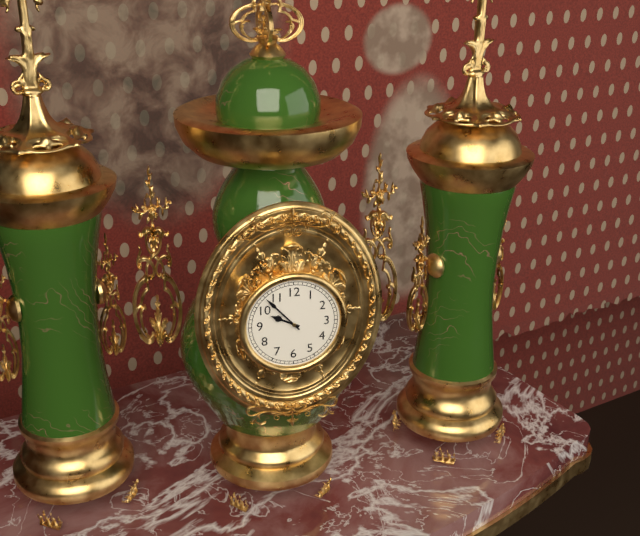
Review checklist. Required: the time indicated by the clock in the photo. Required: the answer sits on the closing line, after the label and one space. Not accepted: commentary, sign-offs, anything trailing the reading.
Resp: 9:53
